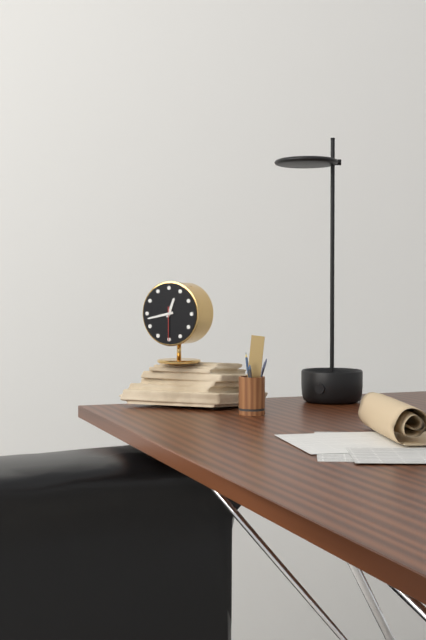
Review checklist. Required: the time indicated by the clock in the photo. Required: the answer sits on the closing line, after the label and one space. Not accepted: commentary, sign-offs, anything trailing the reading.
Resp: 12:43
